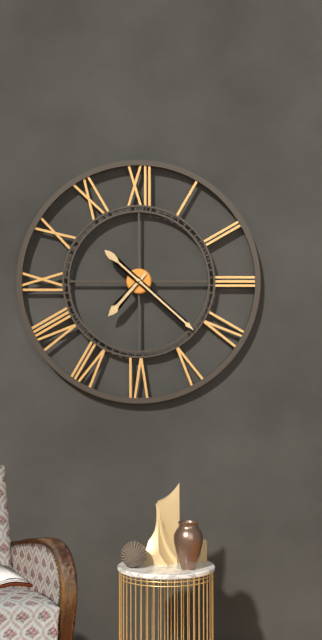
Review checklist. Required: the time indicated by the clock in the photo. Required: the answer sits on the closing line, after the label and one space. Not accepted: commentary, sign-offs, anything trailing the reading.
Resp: 7:22
